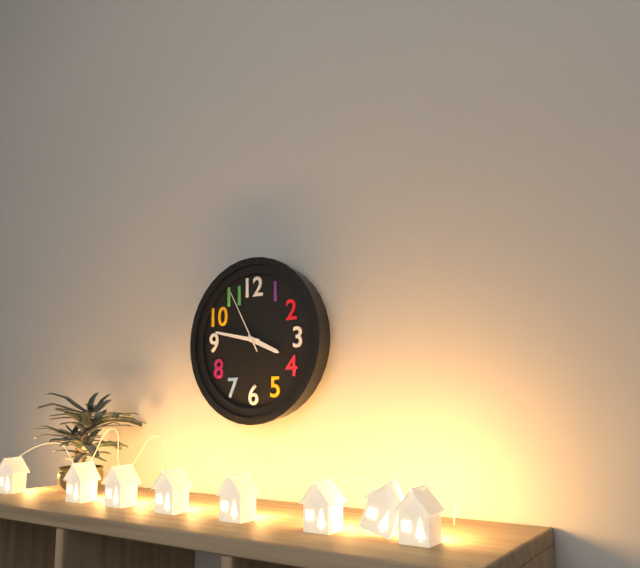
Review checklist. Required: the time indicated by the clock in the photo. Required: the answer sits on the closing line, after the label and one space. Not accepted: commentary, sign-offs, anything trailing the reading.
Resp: 3:47:55
